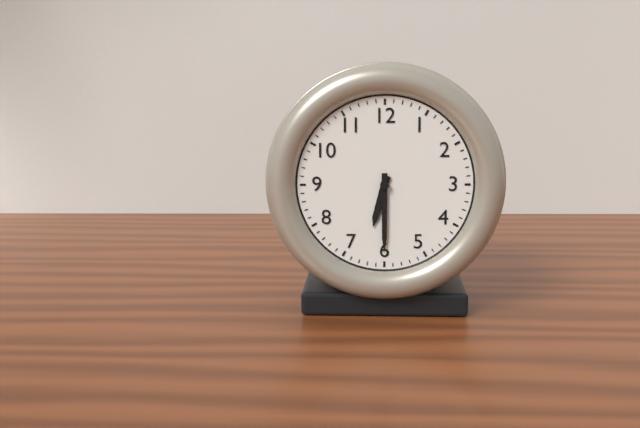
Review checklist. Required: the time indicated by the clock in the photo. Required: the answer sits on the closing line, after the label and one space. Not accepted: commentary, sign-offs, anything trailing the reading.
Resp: 6:30
